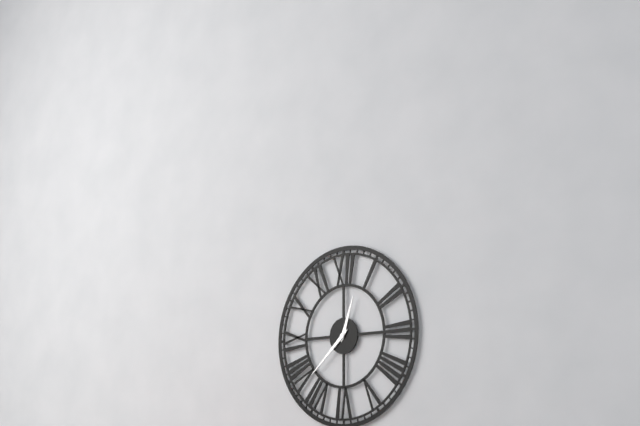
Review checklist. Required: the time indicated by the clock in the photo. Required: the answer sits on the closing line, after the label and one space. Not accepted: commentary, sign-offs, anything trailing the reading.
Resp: 12:38
